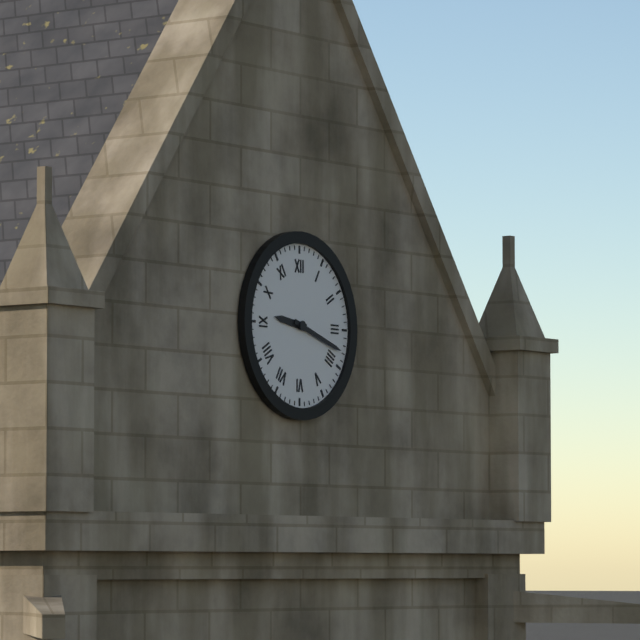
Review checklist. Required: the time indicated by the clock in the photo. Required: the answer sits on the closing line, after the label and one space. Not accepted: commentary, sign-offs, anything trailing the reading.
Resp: 9:18
